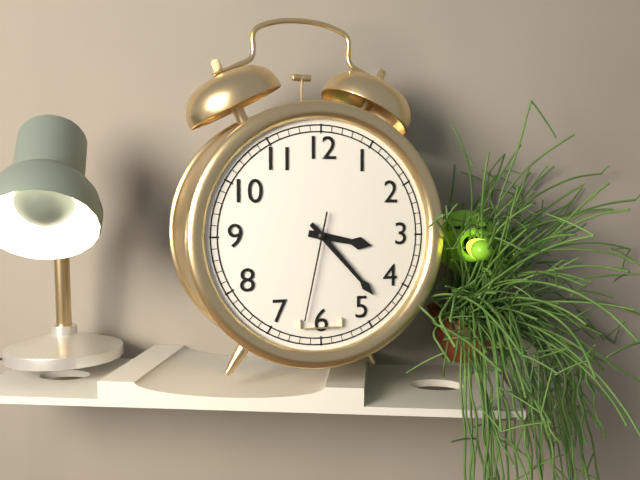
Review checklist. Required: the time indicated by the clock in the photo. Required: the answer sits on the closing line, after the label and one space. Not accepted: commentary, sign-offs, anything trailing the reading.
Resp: 3:23:32
